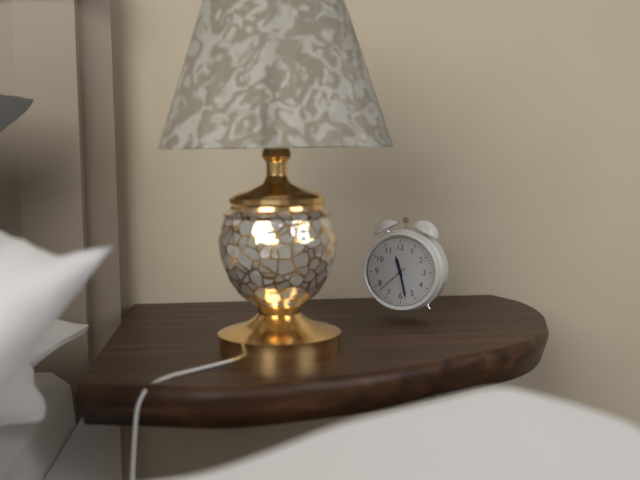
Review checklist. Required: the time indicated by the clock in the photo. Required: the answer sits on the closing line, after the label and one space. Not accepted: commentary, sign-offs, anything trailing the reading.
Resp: 11:28
